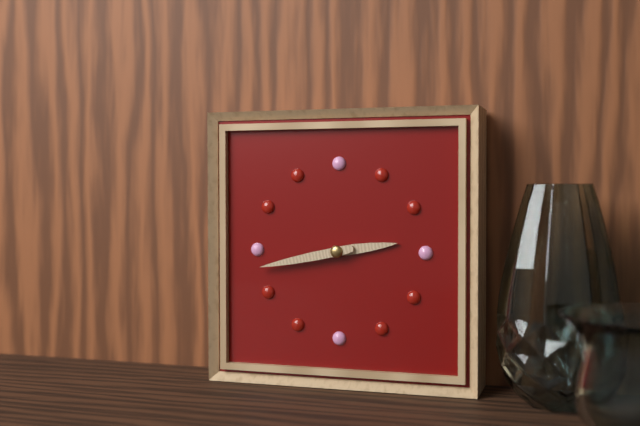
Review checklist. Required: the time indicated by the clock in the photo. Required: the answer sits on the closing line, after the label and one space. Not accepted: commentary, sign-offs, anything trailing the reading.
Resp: 2:43
